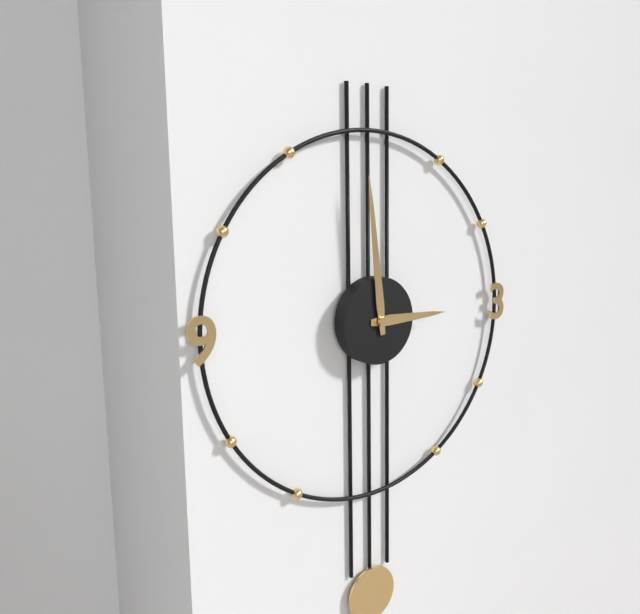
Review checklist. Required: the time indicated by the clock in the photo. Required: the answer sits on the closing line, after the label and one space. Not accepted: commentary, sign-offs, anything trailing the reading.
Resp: 2:59
